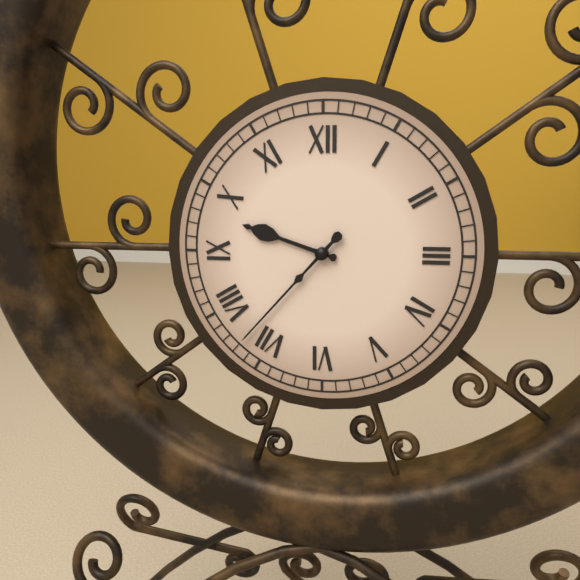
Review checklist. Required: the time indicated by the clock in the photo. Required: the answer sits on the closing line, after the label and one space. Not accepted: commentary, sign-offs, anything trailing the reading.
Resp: 9:37
